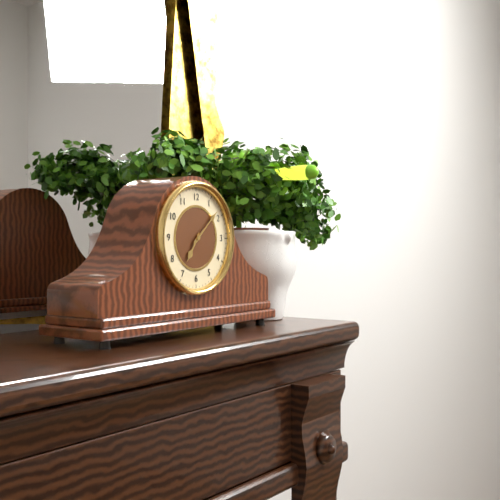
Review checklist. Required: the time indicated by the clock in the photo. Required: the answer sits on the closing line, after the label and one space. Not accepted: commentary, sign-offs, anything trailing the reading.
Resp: 7:08
